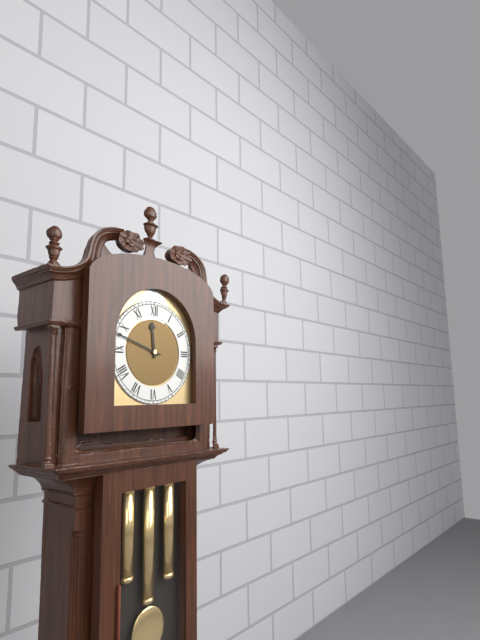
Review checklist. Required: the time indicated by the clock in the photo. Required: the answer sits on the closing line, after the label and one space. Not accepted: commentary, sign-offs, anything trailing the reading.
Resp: 11:48
